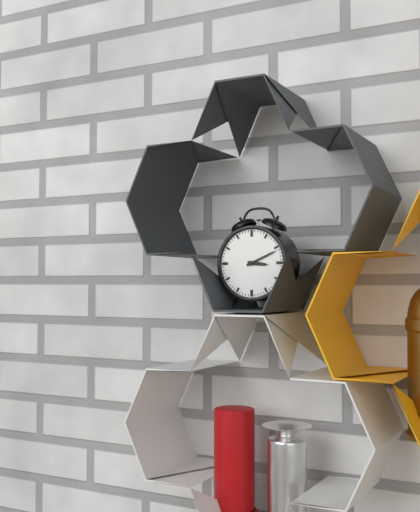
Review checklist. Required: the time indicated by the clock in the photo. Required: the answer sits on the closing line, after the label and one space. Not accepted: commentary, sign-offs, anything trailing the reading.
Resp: 3:11
